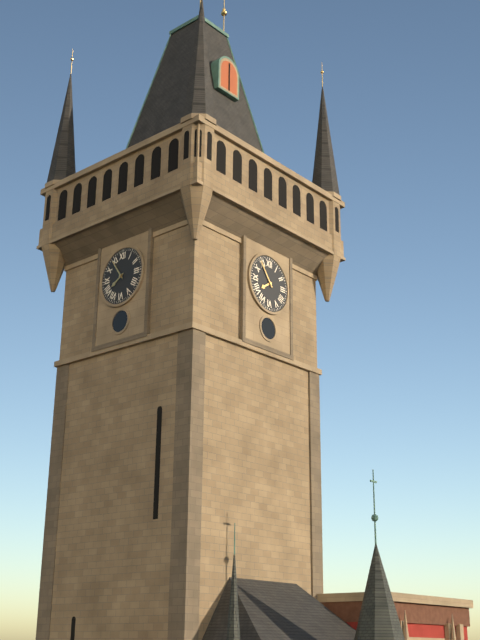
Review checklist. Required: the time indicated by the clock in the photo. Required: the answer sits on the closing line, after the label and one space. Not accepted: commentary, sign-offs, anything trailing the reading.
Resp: 7:54
